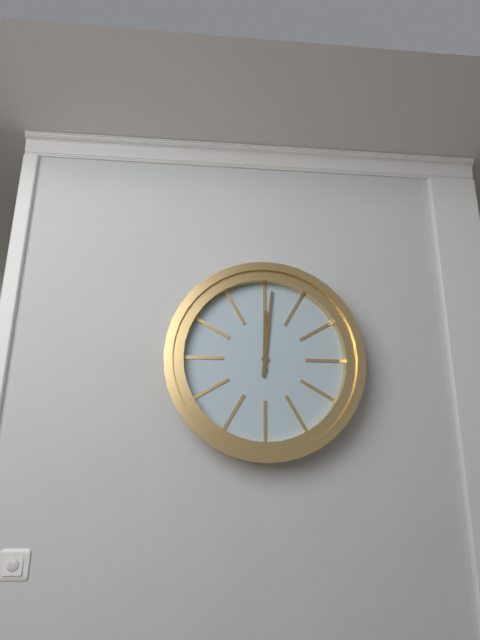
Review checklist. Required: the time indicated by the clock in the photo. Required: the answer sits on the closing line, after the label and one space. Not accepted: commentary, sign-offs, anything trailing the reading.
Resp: 12:01
